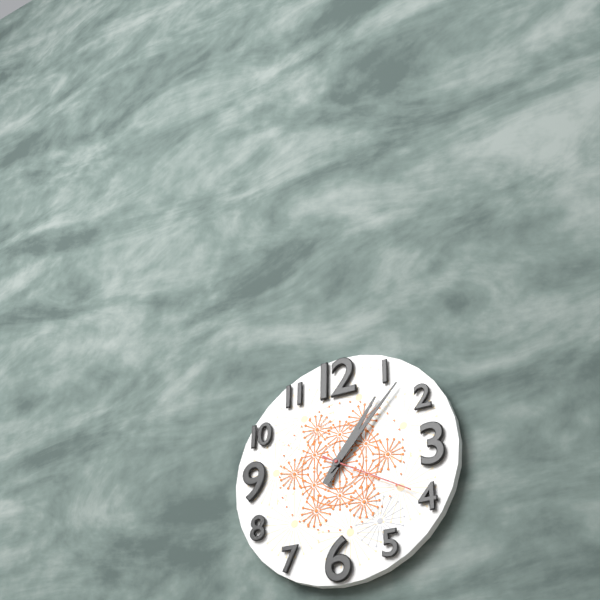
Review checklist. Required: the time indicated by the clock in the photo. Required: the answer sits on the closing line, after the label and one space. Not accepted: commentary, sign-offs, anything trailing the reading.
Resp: 1:07:20
